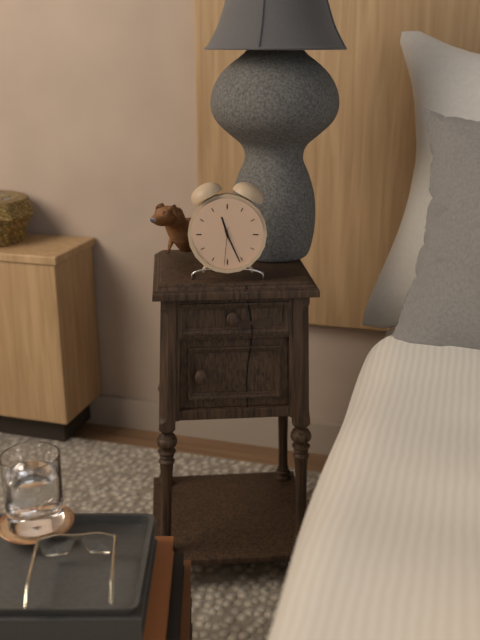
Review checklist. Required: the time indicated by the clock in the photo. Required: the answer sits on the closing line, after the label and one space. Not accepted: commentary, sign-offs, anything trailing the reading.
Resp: 11:26
